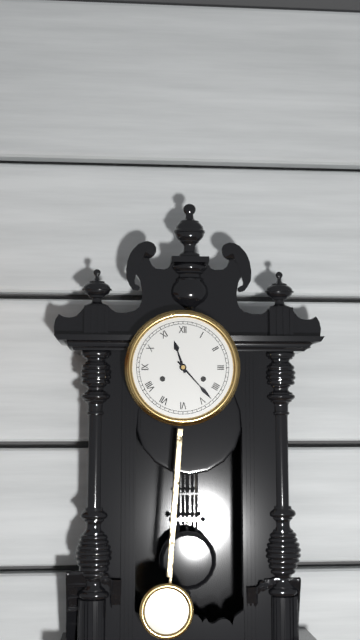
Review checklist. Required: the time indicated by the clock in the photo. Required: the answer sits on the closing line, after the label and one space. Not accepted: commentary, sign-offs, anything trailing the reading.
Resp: 11:23
